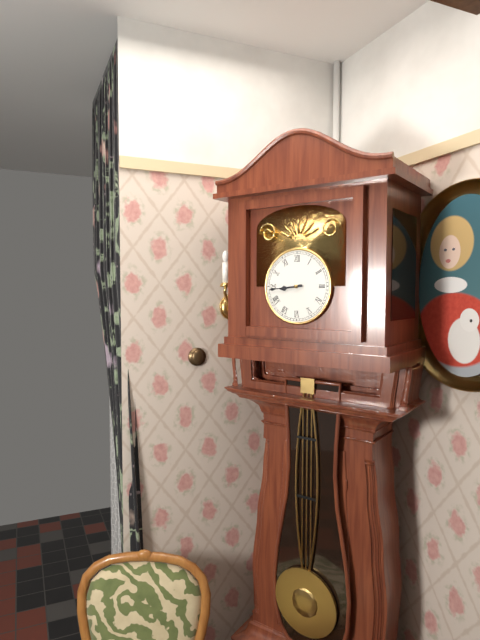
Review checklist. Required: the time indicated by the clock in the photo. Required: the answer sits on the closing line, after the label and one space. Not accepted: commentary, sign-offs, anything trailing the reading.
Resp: 8:44
